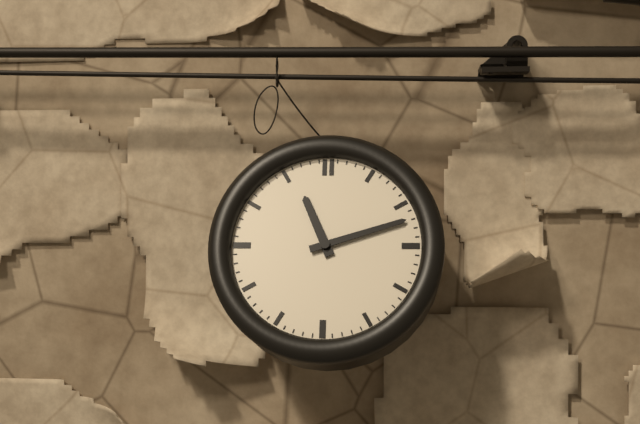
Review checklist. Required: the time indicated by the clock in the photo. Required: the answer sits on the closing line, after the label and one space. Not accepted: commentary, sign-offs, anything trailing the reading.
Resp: 11:12
